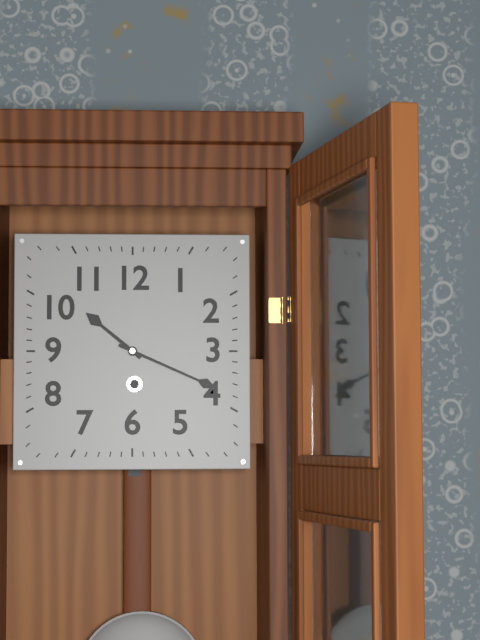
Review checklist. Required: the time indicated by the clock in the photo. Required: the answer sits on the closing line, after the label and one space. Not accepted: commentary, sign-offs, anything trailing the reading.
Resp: 10:19
